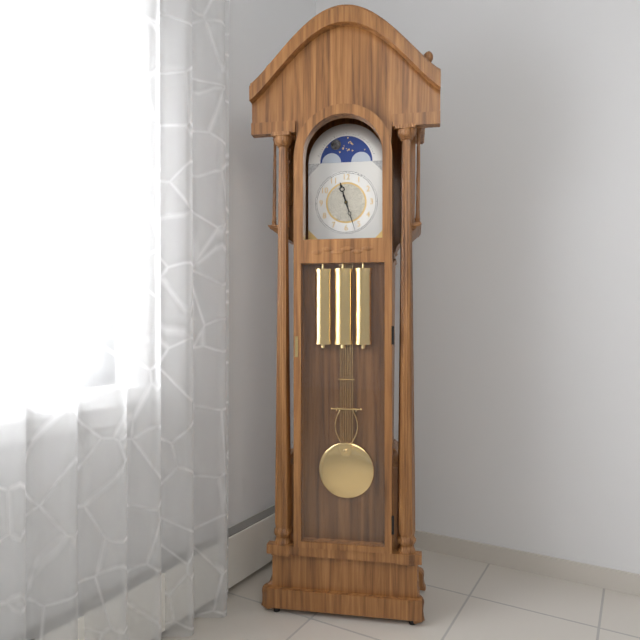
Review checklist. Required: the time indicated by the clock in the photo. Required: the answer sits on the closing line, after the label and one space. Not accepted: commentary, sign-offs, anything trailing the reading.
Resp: 11:27
